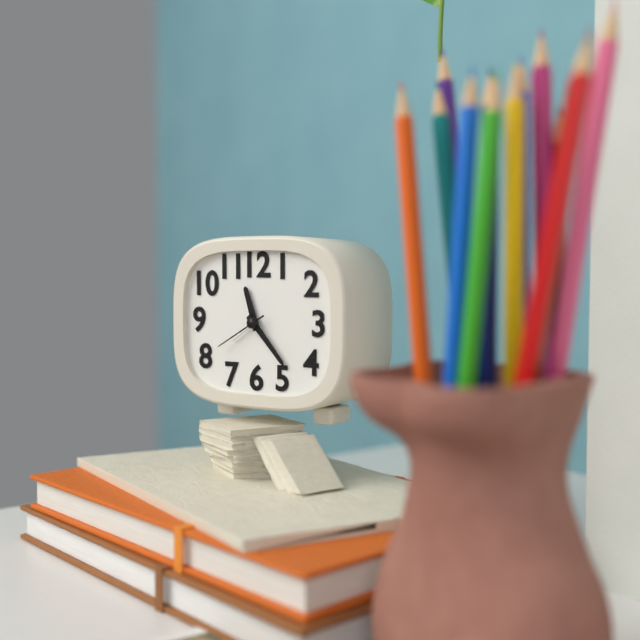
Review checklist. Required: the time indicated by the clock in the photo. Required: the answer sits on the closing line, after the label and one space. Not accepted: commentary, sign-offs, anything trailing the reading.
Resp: 11:23:40
